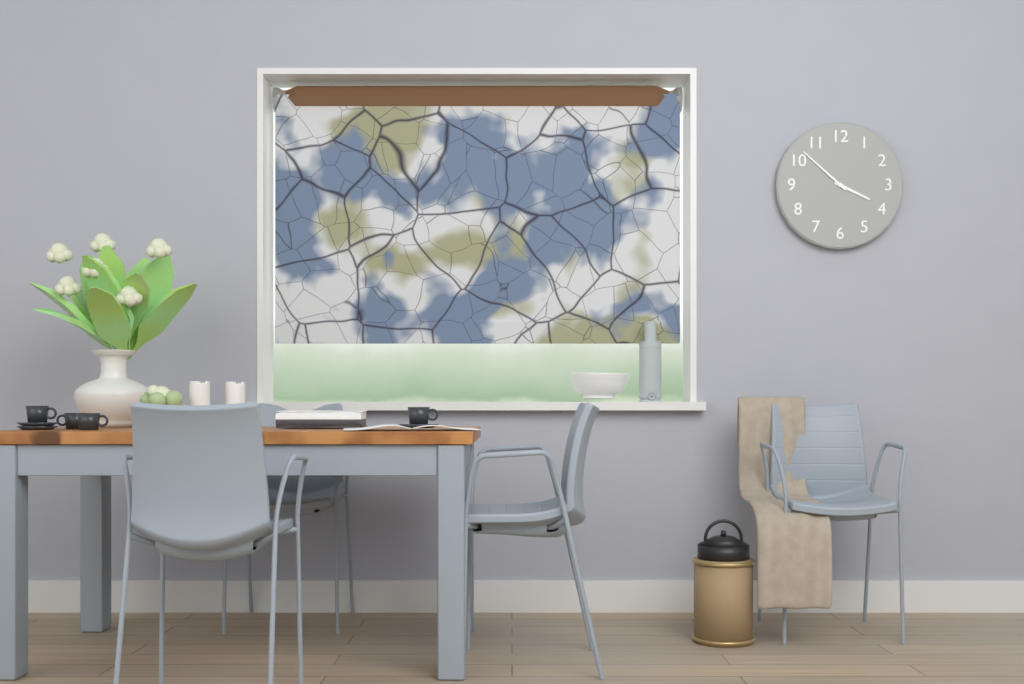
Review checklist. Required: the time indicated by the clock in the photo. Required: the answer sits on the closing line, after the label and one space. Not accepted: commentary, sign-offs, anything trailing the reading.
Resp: 3:52
